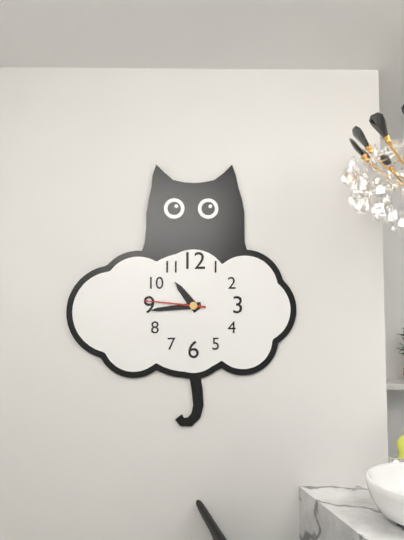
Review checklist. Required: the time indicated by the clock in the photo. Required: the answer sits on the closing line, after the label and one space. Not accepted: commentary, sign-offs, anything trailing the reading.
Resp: 10:44:46
